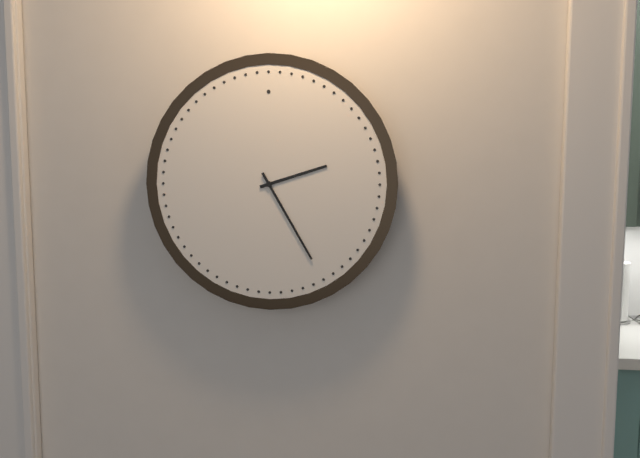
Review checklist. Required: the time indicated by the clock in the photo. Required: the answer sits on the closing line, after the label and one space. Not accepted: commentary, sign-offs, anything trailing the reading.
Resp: 2:25
